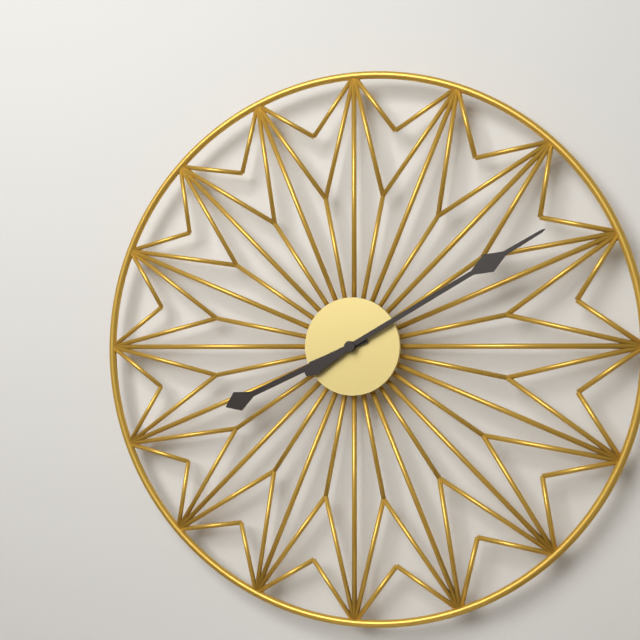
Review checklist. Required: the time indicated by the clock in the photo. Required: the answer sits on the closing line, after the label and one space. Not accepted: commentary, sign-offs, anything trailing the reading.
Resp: 8:10
